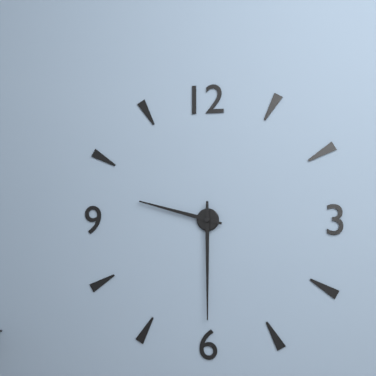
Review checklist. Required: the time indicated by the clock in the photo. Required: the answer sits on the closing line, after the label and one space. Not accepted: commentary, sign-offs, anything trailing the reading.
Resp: 9:30
